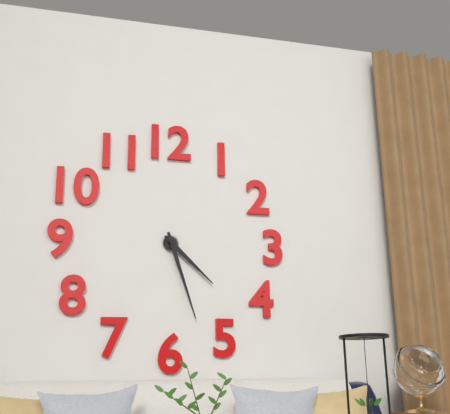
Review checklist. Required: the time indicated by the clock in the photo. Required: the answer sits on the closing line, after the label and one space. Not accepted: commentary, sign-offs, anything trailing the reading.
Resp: 4:27
